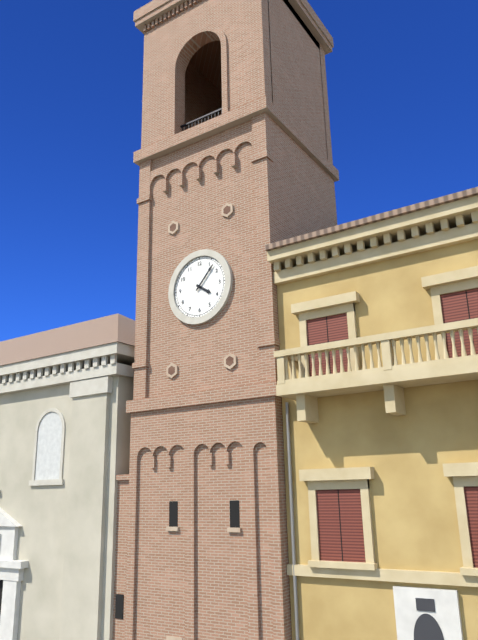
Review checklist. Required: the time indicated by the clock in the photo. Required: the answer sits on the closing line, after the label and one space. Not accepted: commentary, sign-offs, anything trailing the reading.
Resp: 4:07
